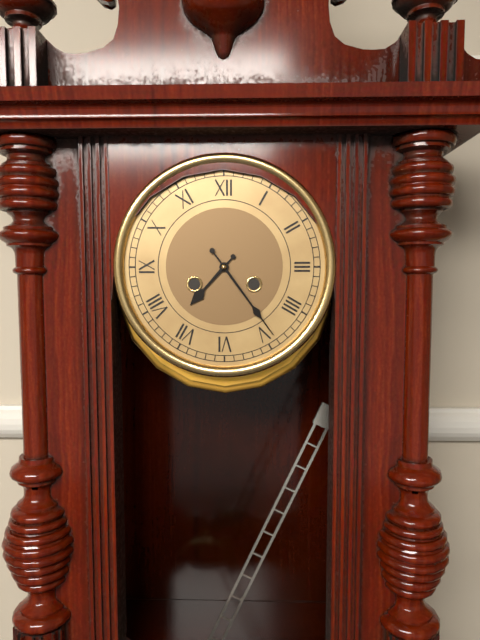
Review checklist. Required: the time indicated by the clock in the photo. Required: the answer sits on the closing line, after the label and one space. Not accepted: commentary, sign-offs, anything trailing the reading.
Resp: 7:24
